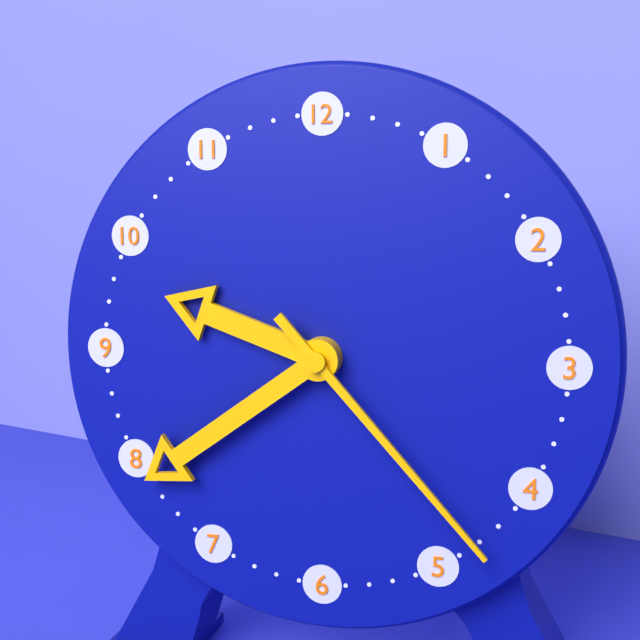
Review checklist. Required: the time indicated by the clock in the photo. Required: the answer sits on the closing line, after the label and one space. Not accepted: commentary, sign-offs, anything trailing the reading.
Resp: 9:39:23
